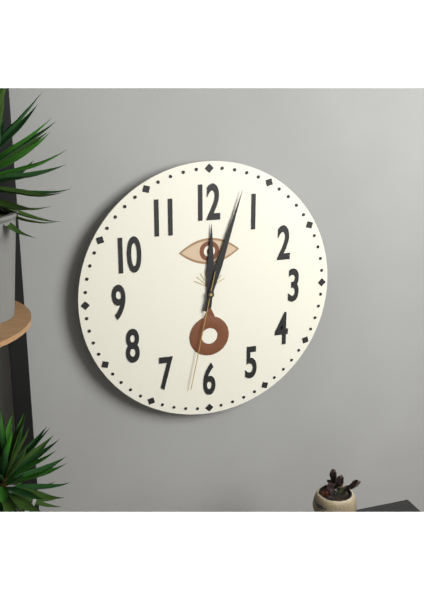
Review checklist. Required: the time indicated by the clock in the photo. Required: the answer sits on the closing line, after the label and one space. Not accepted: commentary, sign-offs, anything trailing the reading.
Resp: 12:03:32
